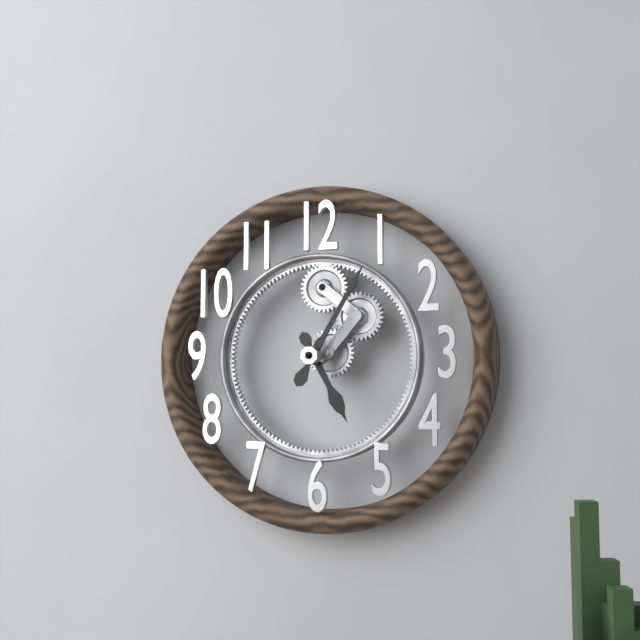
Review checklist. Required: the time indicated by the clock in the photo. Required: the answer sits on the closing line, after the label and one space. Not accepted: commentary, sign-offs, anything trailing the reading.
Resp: 5:05
